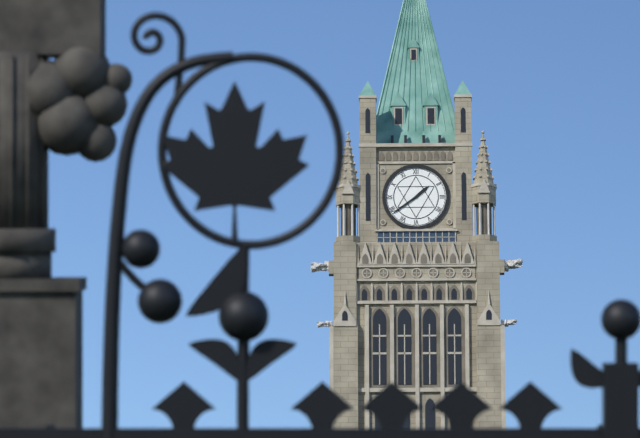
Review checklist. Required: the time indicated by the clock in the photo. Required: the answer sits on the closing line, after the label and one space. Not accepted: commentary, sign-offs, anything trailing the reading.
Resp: 1:39
